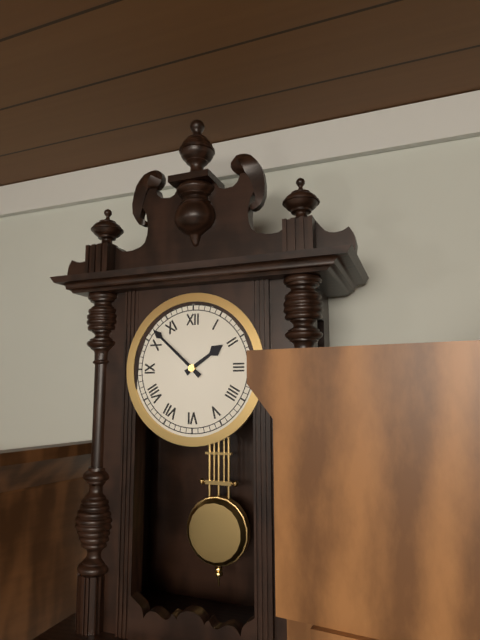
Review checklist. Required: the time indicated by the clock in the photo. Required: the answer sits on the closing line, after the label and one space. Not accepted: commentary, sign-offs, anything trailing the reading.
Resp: 1:52
